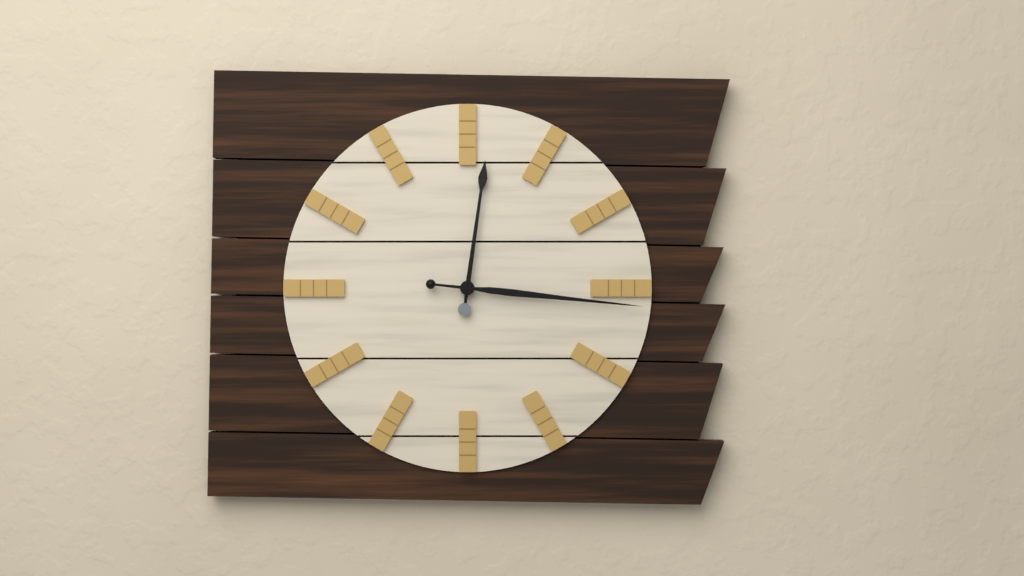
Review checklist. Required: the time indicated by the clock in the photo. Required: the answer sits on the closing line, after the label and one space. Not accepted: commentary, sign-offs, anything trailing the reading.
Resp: 12:16
